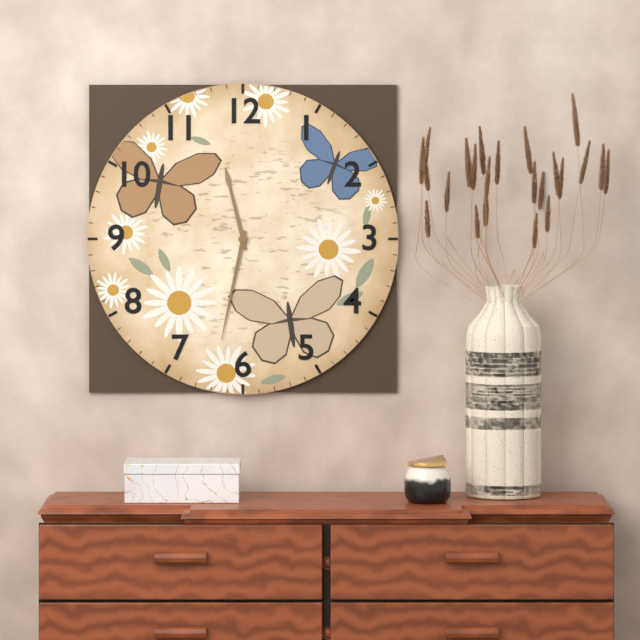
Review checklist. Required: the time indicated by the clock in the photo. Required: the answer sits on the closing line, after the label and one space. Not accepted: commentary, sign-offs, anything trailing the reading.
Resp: 11:32
